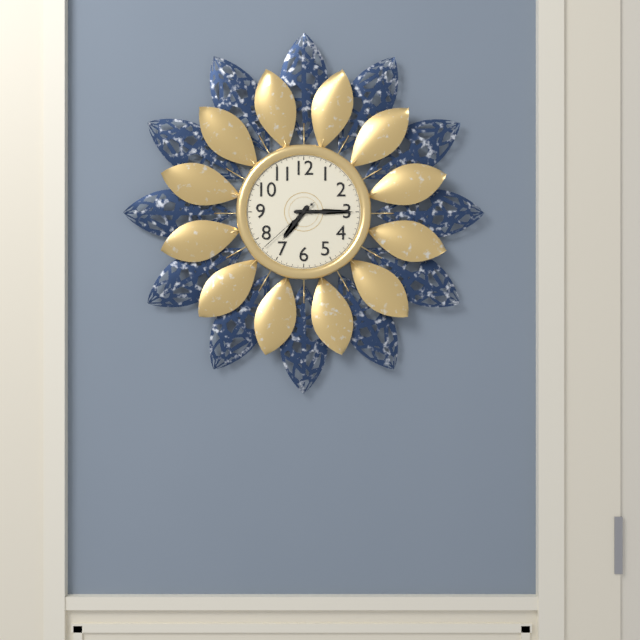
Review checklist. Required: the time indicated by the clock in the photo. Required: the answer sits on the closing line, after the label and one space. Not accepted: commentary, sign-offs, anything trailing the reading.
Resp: 7:15:38
